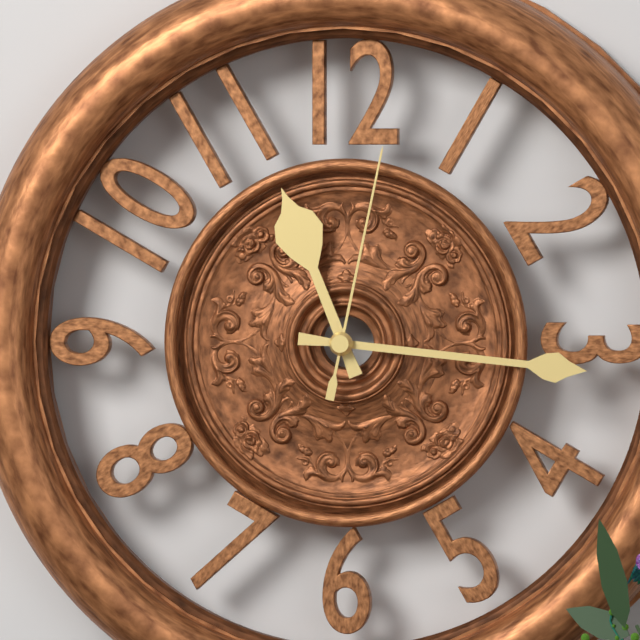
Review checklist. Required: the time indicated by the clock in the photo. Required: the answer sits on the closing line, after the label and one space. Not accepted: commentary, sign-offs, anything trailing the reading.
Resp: 11:16:02
